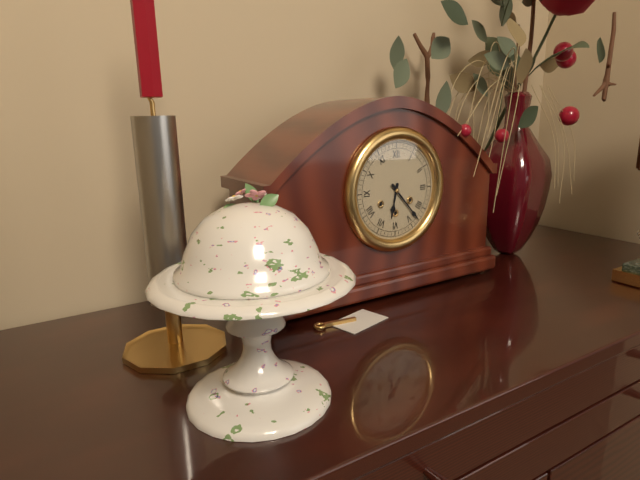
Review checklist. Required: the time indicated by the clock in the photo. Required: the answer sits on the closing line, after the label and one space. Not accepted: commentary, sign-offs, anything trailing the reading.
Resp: 6:23
